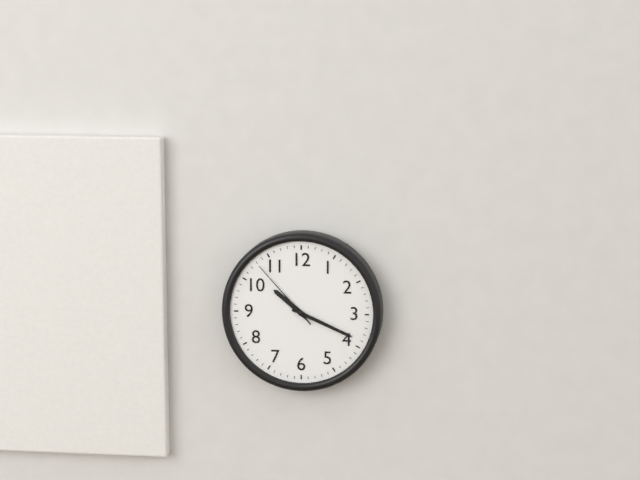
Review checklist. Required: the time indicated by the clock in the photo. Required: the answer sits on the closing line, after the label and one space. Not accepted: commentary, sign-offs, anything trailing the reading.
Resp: 10:19:53
